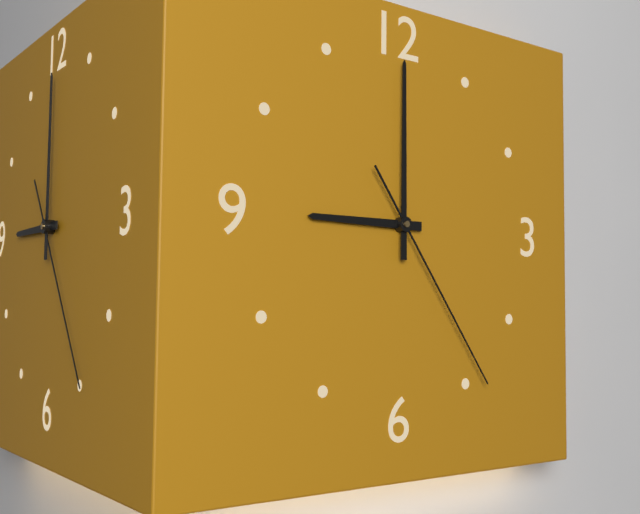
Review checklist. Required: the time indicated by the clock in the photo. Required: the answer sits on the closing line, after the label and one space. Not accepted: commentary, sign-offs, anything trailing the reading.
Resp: 9:00:24
